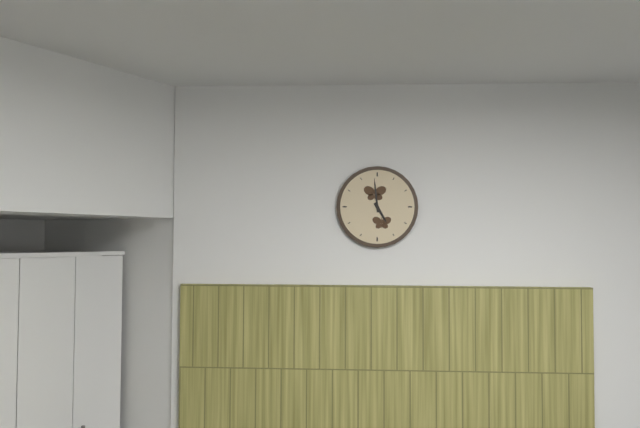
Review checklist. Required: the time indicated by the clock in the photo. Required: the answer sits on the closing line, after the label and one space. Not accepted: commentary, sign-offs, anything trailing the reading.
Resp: 4:59
